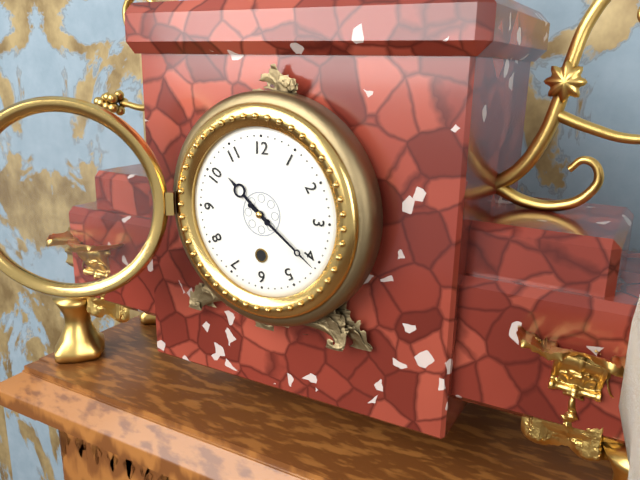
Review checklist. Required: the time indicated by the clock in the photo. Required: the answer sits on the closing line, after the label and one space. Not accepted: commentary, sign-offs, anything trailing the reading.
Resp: 10:21
